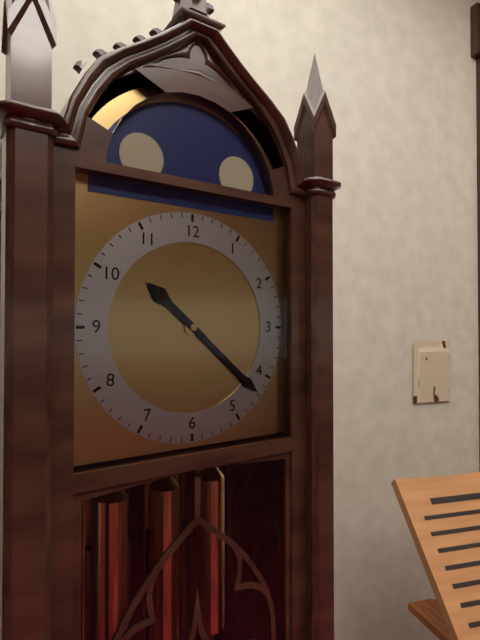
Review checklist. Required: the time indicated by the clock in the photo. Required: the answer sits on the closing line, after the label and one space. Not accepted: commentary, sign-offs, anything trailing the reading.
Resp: 10:22
